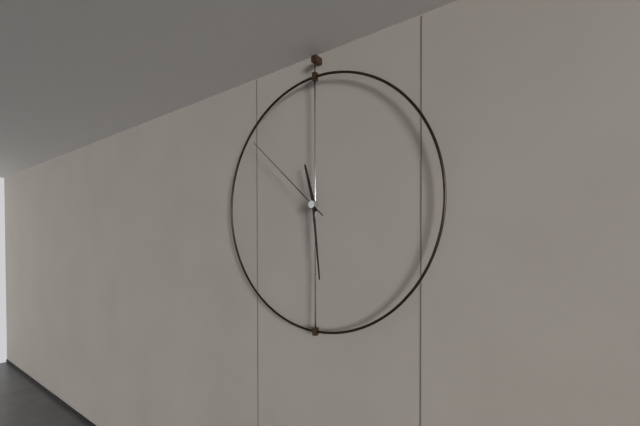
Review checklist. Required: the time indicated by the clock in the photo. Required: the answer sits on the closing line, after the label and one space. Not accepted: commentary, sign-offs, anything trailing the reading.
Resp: 11:29:52
